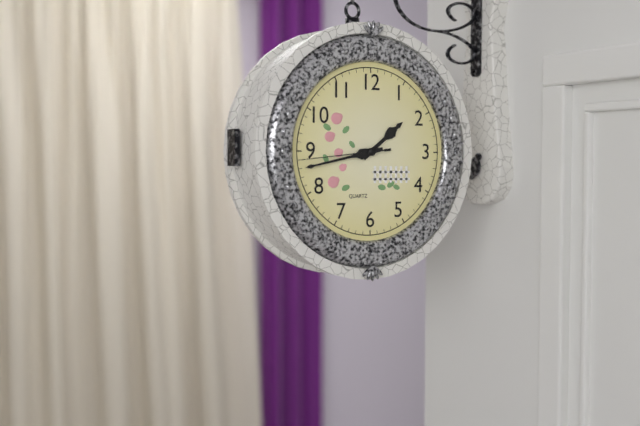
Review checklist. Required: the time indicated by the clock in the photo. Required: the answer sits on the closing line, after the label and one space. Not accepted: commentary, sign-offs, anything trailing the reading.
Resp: 1:43:44
